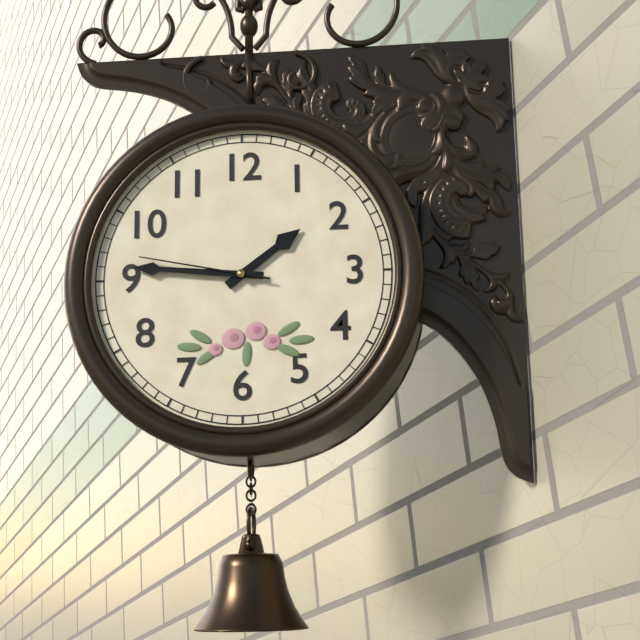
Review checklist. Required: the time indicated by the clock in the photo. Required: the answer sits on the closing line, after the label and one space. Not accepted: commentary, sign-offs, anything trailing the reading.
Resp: 1:46:47
